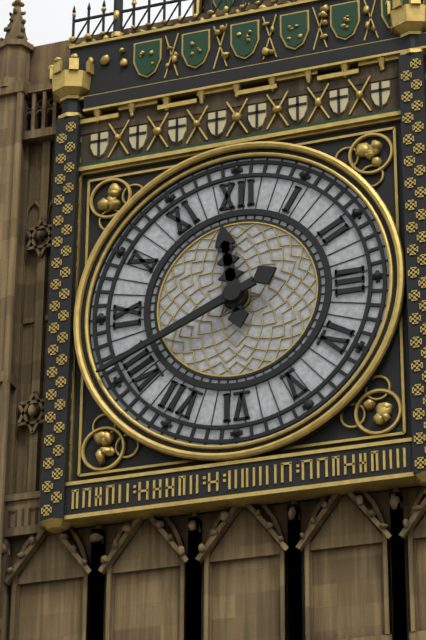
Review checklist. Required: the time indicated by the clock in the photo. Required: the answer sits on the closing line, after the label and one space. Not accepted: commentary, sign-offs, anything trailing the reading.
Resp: 11:41
